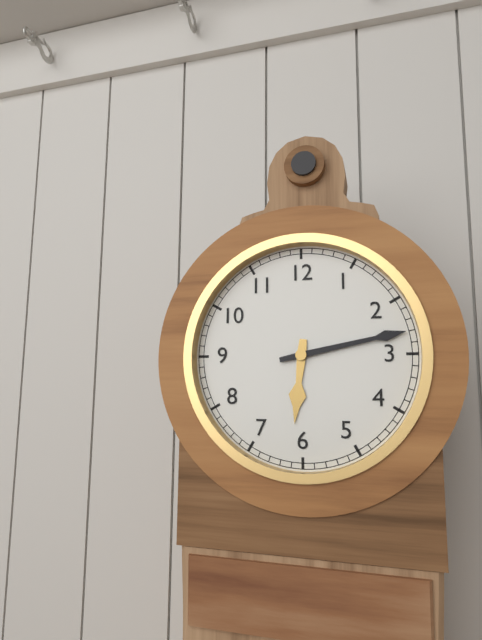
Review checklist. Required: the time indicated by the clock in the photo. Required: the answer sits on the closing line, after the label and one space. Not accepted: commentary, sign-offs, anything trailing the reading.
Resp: 6:13
